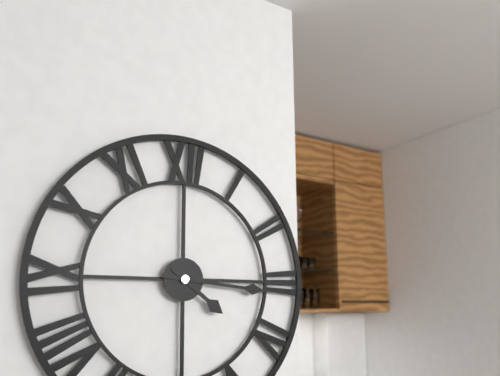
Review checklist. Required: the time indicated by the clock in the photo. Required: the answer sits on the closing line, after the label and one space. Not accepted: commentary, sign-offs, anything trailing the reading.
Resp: 4:16
